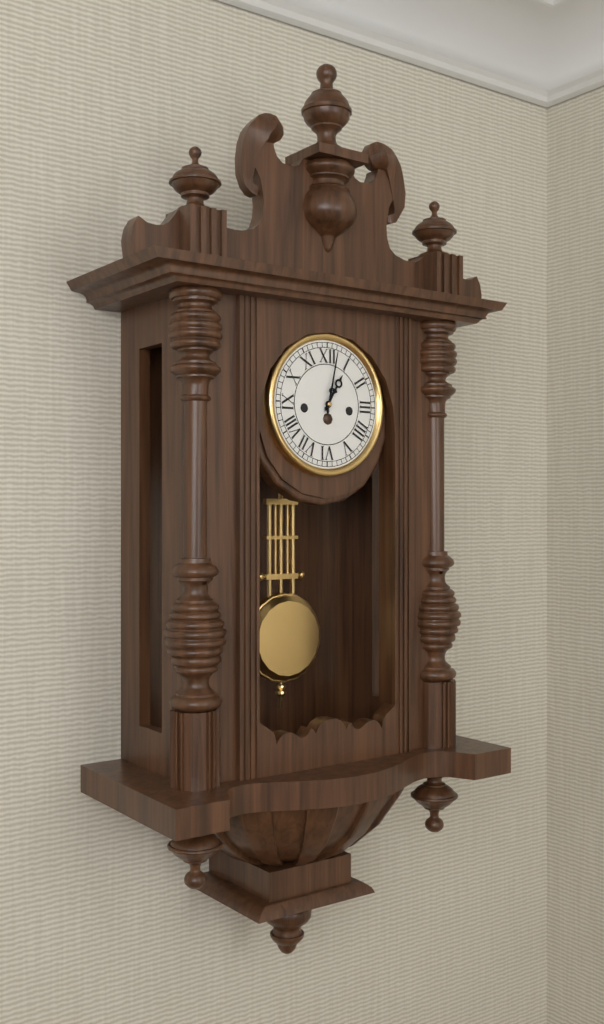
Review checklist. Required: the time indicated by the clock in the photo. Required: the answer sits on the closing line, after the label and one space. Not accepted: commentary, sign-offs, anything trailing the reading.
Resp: 1:02
